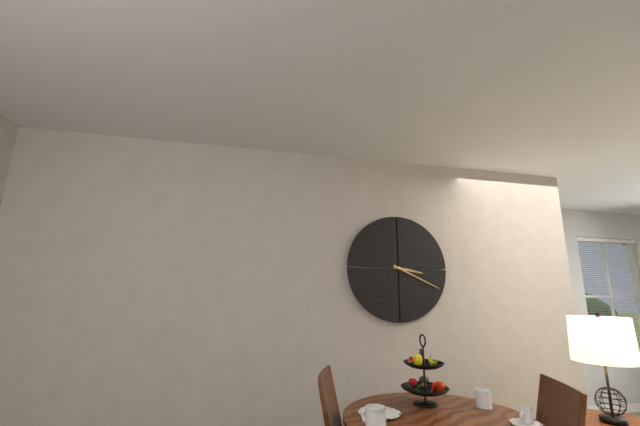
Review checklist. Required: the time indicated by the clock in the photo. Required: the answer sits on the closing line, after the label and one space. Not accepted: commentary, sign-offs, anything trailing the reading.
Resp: 3:19
